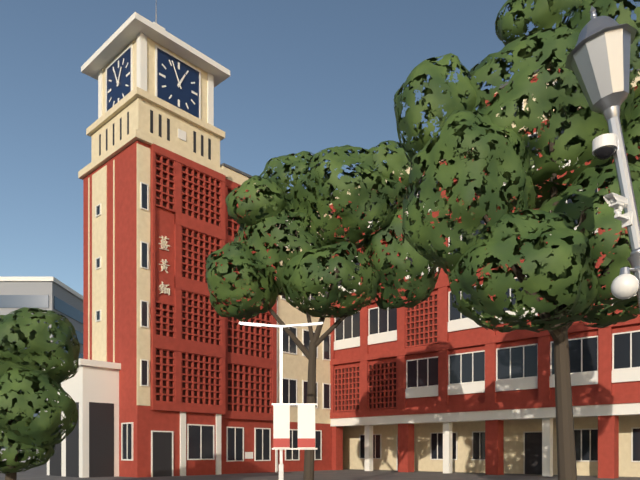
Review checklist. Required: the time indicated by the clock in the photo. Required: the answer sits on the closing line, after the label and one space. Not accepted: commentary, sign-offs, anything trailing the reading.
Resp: 12:56
